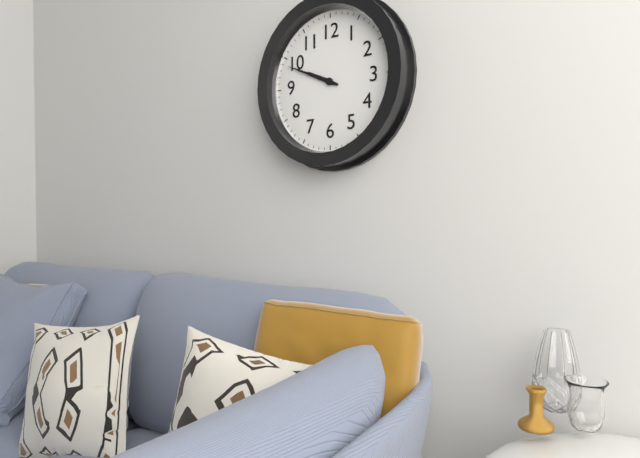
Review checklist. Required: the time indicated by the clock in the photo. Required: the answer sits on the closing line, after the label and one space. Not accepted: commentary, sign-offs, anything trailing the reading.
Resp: 9:49
